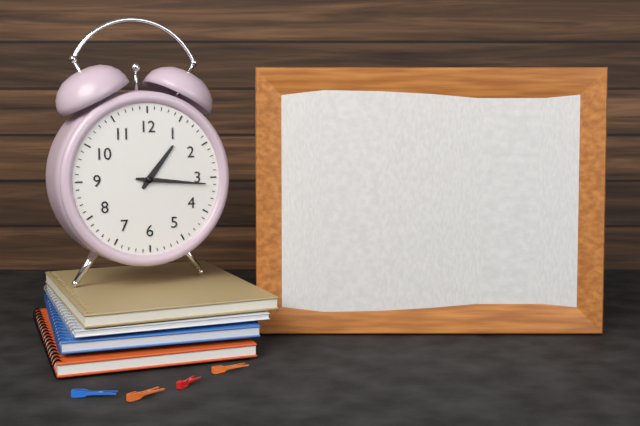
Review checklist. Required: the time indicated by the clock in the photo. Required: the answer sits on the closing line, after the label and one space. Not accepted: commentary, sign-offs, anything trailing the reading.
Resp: 1:16
